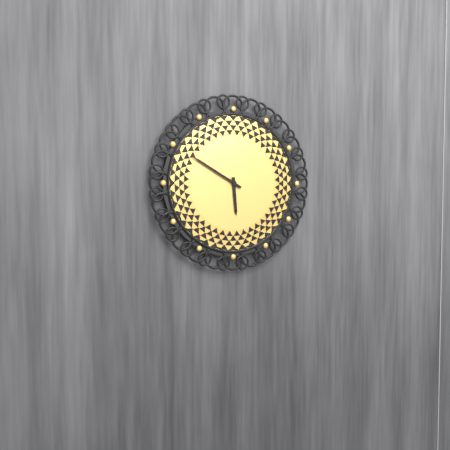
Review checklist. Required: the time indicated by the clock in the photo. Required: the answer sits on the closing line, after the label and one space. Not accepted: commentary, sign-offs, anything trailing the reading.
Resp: 5:50
